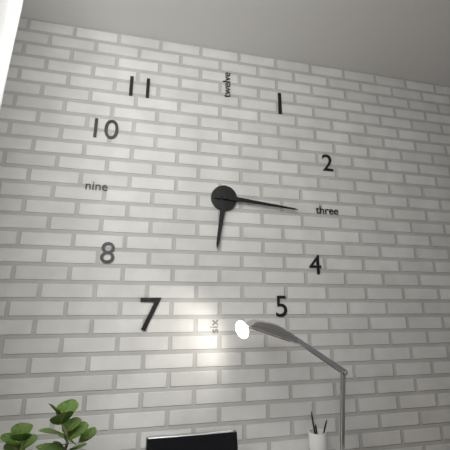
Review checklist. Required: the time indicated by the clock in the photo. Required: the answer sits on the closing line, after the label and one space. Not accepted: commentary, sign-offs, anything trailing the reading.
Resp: 6:16
